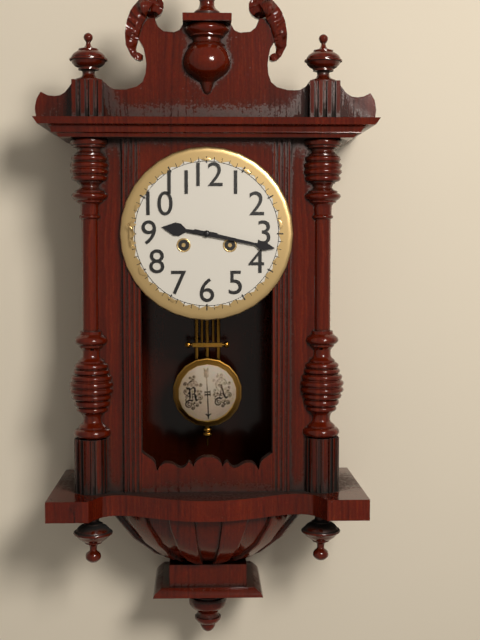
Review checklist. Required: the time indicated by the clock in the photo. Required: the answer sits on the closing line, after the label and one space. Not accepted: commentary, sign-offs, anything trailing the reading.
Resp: 9:17
